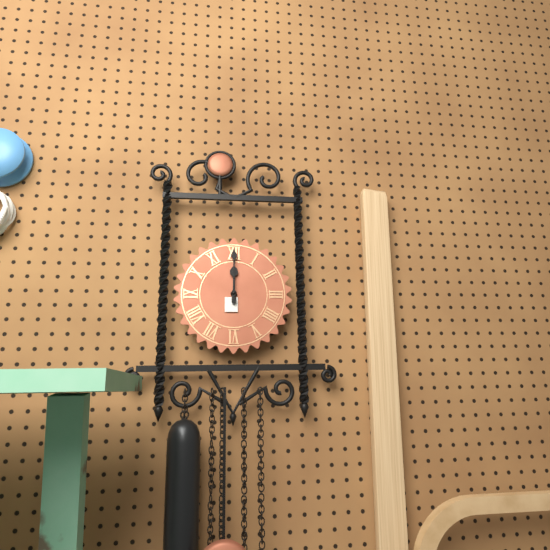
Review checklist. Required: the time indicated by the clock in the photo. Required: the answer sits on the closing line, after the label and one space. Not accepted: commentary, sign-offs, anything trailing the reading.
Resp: 12:00
